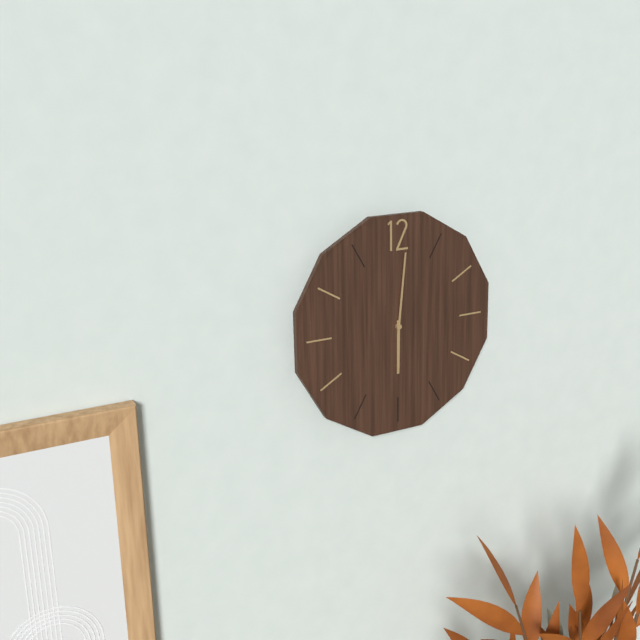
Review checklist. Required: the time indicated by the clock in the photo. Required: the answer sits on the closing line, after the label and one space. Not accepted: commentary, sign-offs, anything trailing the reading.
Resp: 6:01
